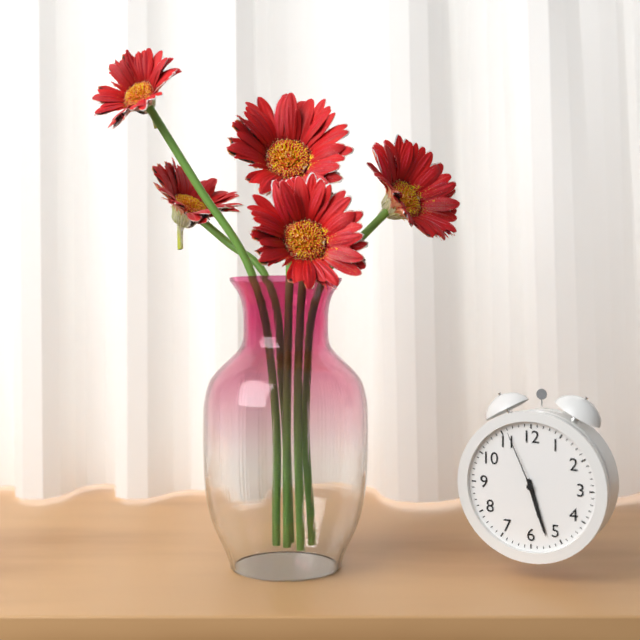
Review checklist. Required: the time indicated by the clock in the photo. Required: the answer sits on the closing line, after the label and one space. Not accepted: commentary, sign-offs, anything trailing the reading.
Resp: 5:27:56
